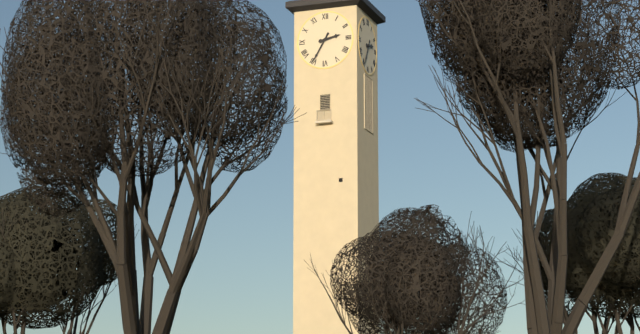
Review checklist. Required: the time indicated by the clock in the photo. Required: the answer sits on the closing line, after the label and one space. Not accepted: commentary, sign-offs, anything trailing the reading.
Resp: 2:35
